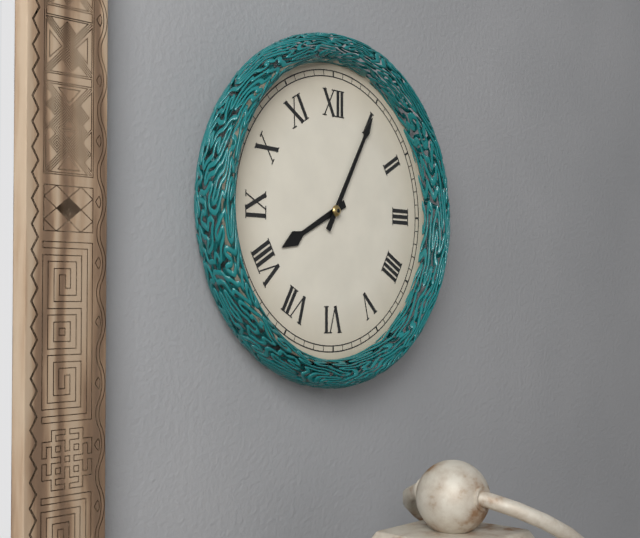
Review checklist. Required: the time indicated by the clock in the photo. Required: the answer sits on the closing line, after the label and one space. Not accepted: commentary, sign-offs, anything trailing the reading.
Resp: 8:05
